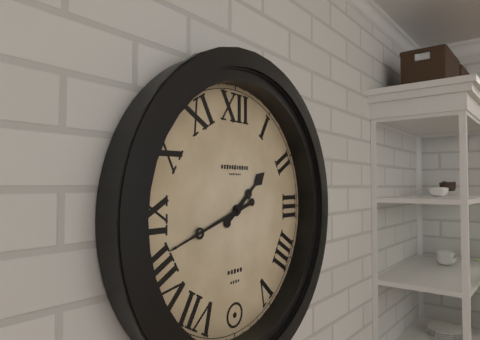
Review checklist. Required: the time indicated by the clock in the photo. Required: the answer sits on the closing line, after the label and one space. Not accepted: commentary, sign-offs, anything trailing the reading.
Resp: 1:42
